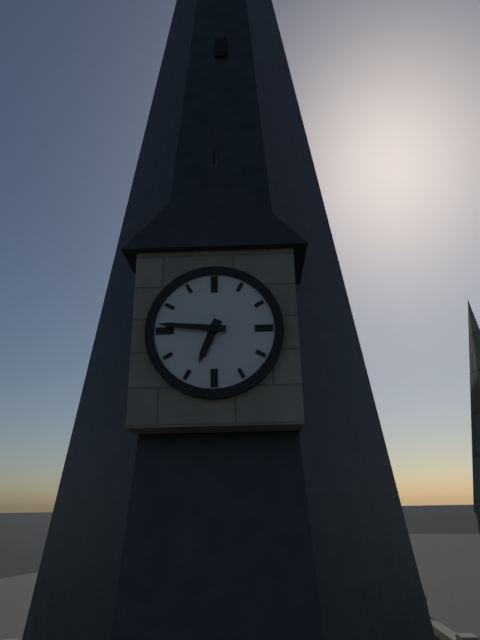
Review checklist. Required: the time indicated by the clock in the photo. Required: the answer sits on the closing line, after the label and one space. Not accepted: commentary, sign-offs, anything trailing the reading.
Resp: 6:46
